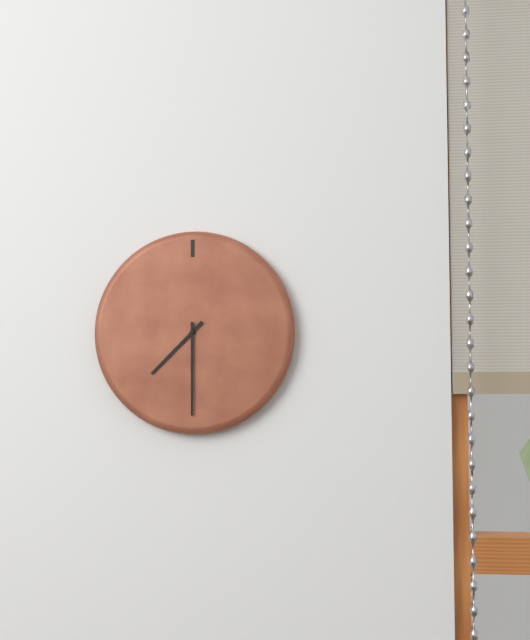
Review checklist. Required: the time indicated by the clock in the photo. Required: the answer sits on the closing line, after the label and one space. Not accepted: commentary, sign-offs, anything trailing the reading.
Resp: 7:30
